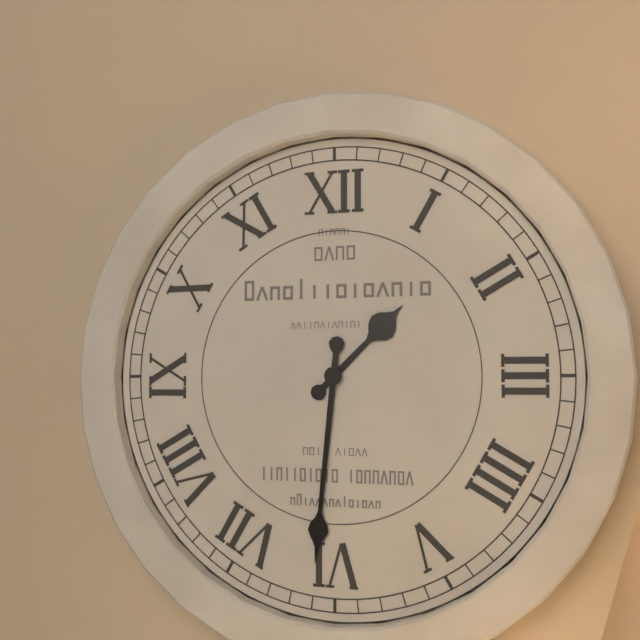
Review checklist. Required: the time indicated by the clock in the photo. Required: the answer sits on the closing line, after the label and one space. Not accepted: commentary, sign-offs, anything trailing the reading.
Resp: 1:31
